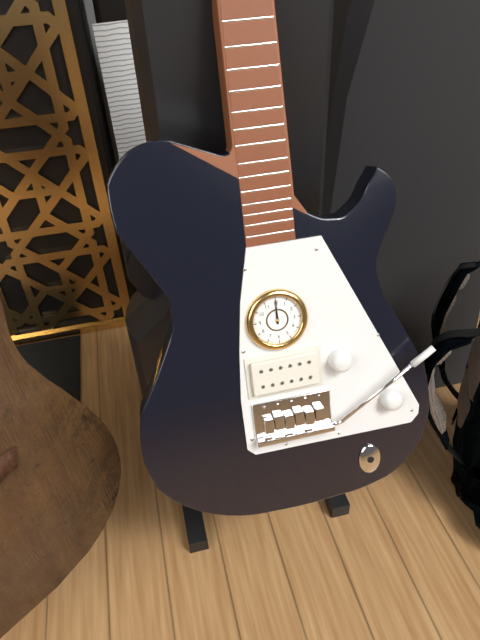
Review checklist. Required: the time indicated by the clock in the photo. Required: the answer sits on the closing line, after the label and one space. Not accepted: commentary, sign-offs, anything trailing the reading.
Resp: 12:00
